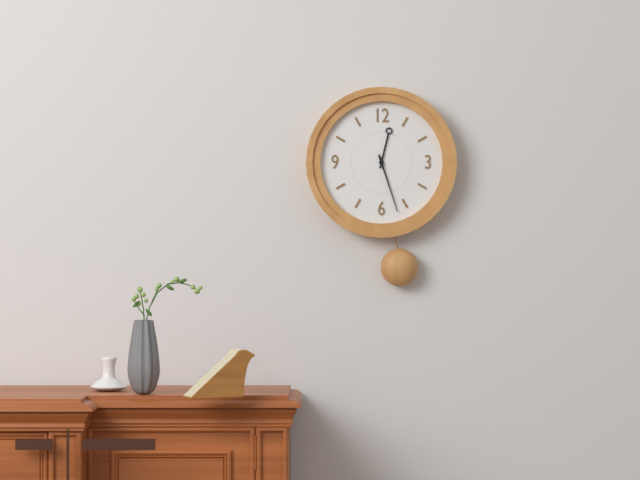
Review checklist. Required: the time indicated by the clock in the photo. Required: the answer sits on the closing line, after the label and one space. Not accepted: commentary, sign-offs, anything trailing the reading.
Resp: 12:27
